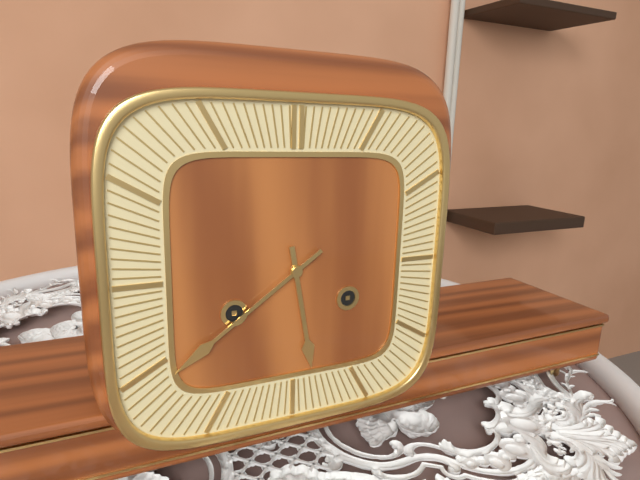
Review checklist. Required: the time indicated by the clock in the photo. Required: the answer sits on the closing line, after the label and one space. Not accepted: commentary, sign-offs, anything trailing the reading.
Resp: 5:39
